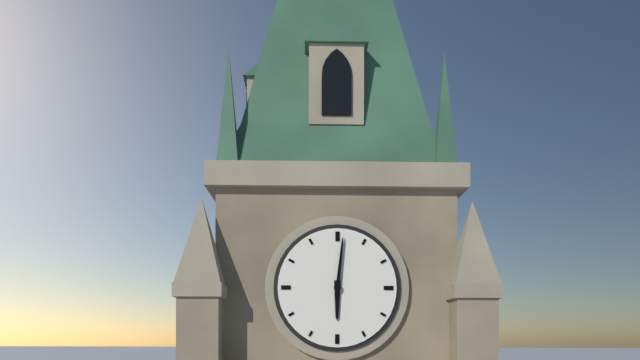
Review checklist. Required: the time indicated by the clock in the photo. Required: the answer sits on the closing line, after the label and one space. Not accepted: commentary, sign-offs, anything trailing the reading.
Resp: 6:01
